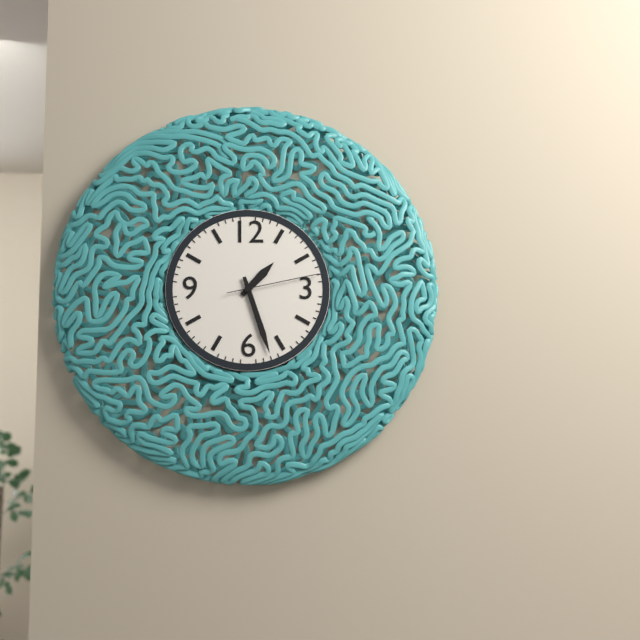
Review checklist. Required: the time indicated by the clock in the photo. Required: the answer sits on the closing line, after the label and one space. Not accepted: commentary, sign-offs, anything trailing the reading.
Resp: 1:27:13
